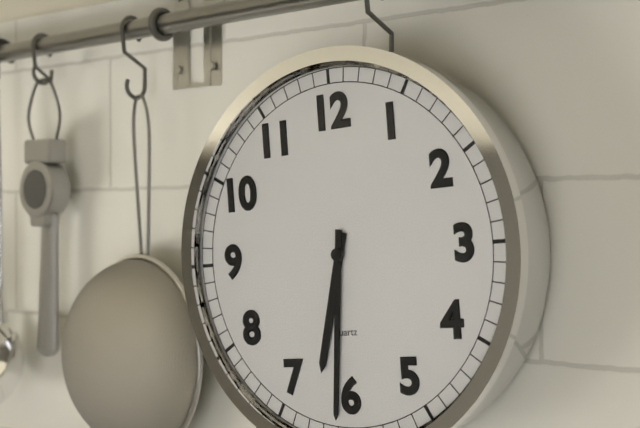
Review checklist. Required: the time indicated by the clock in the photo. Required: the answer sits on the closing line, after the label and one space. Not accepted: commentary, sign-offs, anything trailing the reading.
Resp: 6:31
